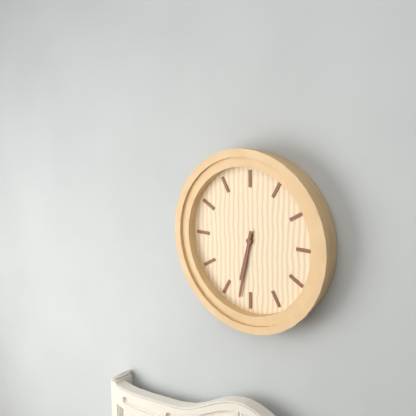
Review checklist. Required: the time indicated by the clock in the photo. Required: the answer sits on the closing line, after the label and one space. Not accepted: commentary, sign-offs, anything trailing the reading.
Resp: 6:32
